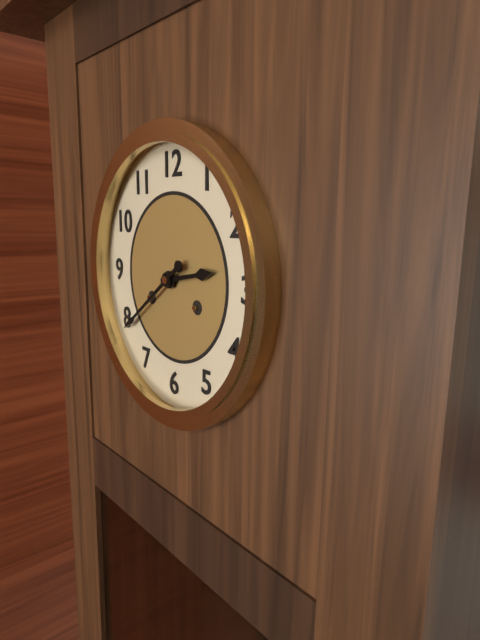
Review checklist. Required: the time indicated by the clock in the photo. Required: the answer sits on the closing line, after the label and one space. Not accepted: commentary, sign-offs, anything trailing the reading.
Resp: 2:39
